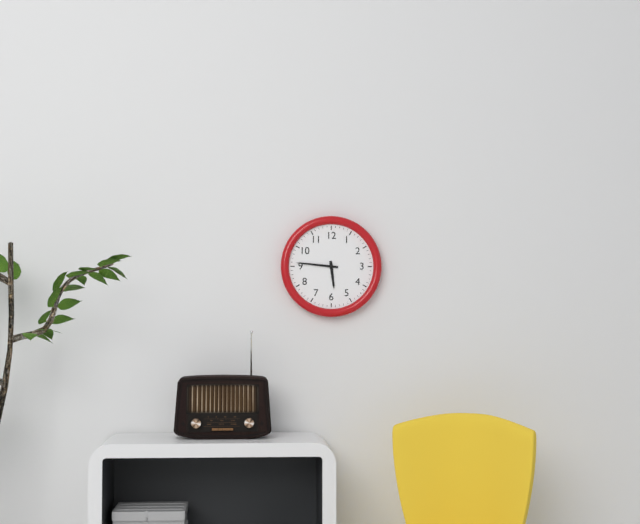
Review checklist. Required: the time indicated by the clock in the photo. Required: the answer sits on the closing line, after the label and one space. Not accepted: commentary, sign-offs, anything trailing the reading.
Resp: 5:46
